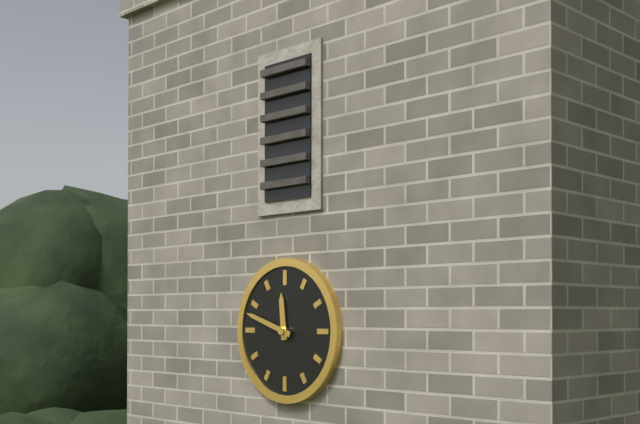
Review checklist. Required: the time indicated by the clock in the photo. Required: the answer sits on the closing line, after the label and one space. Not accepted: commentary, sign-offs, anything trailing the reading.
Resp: 11:48
